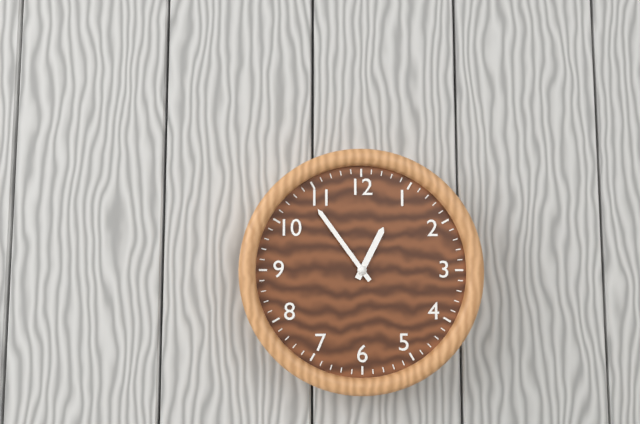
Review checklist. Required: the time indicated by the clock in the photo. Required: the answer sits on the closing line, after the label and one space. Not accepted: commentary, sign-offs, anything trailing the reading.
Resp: 12:54
